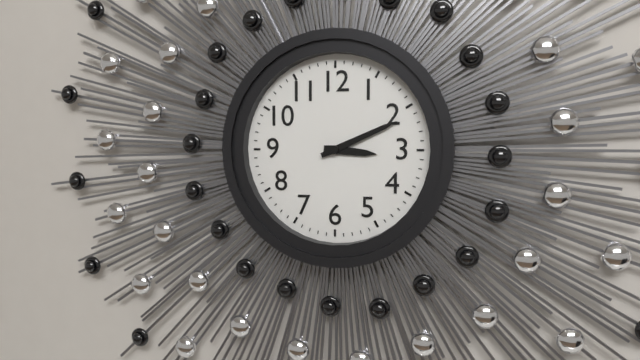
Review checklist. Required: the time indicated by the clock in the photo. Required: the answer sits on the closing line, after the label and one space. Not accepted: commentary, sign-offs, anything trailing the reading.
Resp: 3:11
